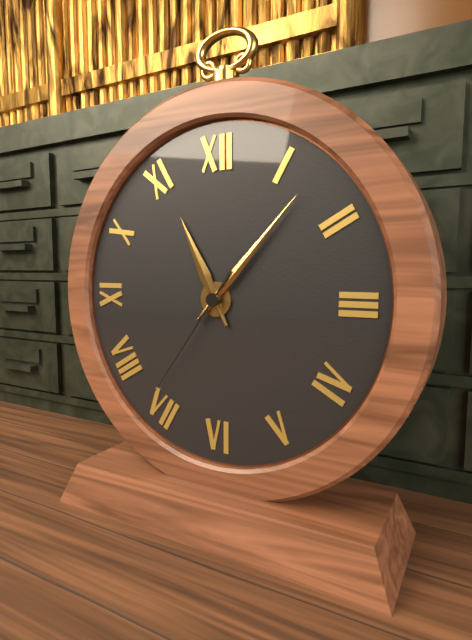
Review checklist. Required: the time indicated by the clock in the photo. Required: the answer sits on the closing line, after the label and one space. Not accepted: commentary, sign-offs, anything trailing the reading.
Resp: 11:07:36
